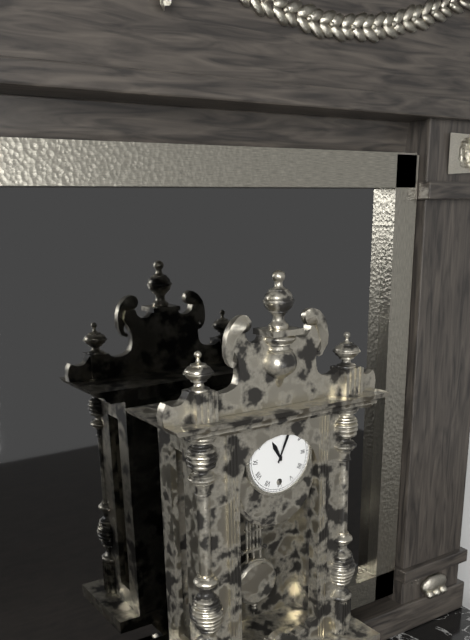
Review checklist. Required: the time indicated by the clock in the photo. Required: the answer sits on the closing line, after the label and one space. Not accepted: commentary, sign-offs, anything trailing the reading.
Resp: 11:04
